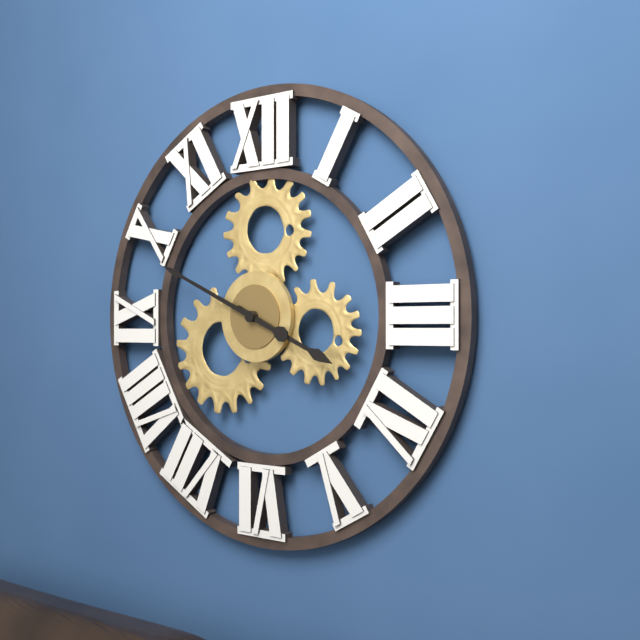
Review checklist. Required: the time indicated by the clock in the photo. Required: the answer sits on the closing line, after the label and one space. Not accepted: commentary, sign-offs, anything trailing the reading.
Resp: 3:49
